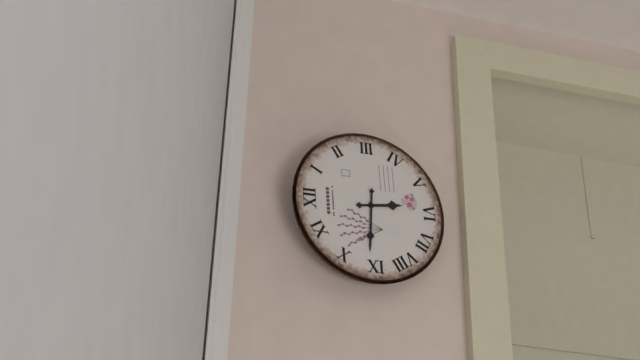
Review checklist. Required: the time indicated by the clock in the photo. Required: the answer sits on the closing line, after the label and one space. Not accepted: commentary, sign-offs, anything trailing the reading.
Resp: 5:46
